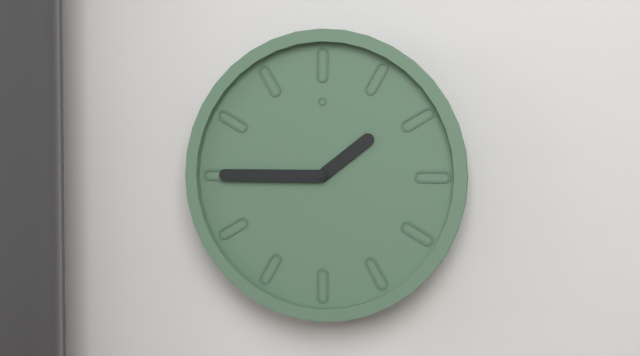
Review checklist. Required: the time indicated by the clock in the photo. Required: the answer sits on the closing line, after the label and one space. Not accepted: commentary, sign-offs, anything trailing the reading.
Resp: 1:45
